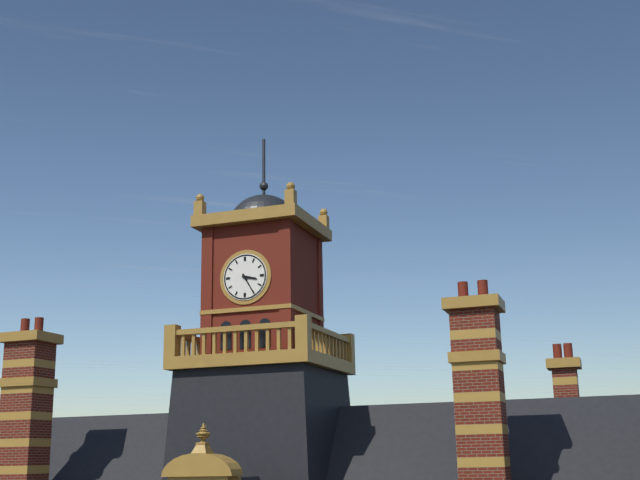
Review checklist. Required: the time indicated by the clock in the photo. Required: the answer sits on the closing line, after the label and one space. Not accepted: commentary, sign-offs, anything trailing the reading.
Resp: 3:25
